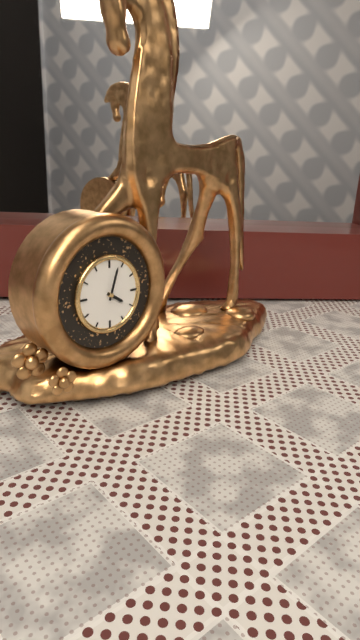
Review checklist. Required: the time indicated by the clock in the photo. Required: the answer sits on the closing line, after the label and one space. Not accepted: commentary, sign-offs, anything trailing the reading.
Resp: 4:03
